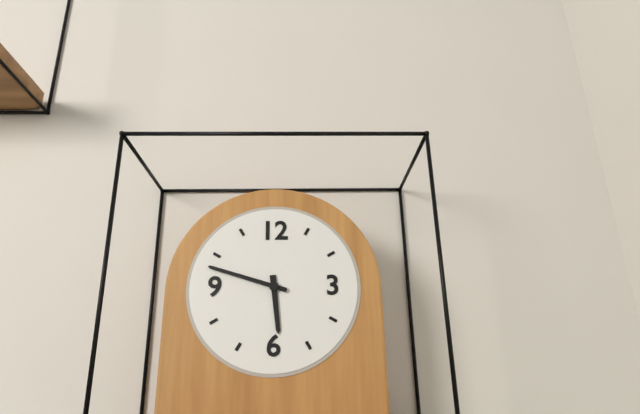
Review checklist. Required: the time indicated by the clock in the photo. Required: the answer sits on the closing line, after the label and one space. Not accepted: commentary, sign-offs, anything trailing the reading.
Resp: 5:48
